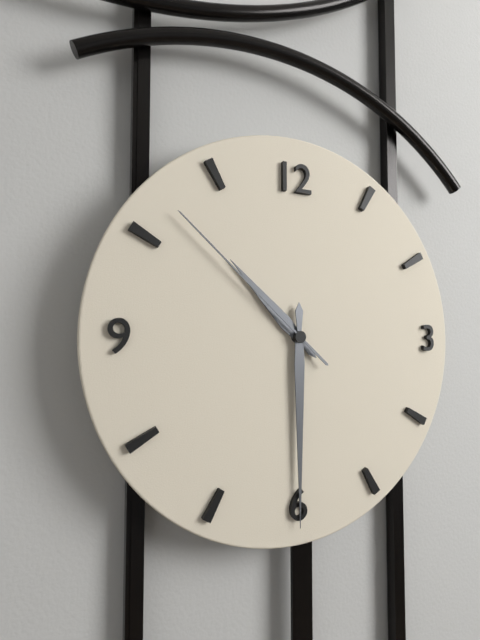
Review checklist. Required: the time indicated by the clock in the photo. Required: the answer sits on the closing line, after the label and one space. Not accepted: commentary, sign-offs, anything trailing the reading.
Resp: 10:30:52
